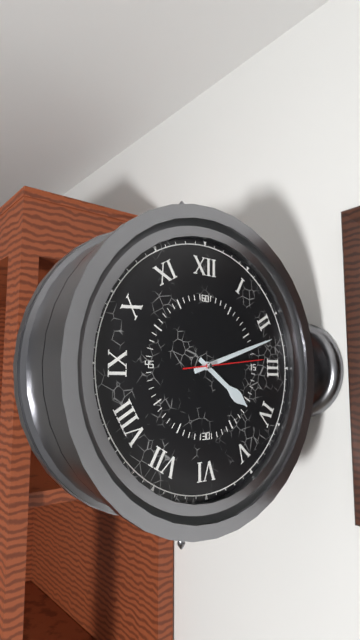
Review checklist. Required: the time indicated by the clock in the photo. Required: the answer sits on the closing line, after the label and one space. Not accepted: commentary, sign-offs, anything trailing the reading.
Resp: 4:12:14
